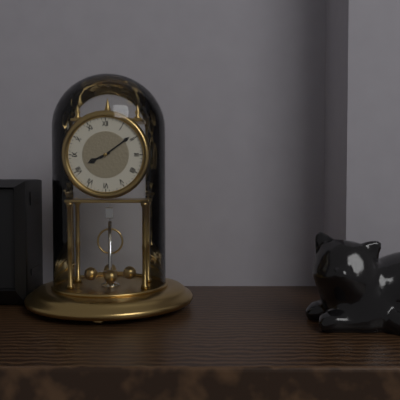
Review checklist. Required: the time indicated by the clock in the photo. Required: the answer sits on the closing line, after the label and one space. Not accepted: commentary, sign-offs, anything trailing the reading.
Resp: 8:09
